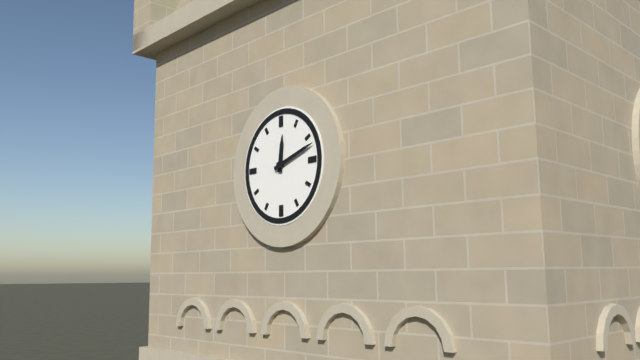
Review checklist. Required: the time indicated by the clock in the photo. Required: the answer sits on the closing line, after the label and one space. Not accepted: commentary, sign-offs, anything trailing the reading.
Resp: 12:12
